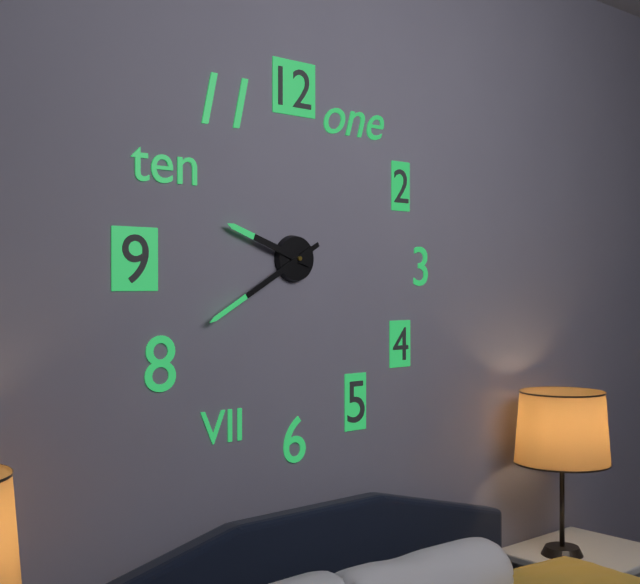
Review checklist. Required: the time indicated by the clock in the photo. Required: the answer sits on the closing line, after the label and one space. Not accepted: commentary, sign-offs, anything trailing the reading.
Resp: 9:40
